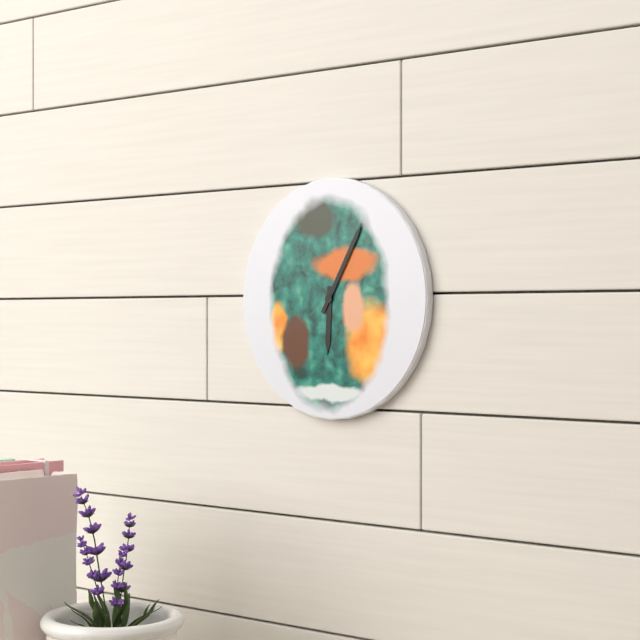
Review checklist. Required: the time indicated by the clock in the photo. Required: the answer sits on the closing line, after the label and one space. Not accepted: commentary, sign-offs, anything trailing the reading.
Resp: 6:05
